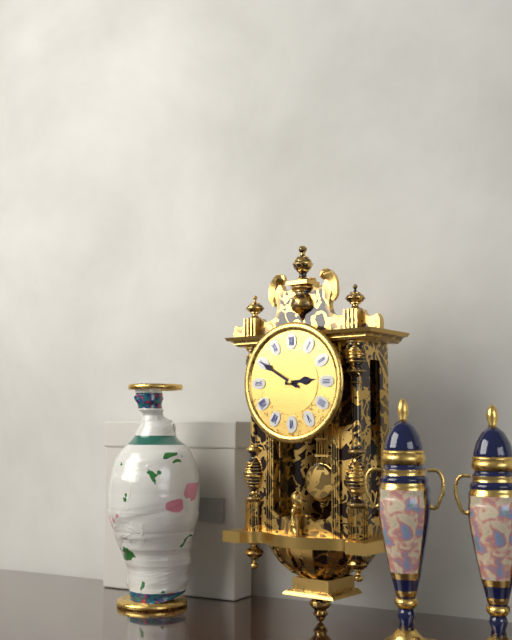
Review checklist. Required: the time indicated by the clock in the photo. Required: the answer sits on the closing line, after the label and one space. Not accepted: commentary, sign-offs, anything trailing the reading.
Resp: 2:50
